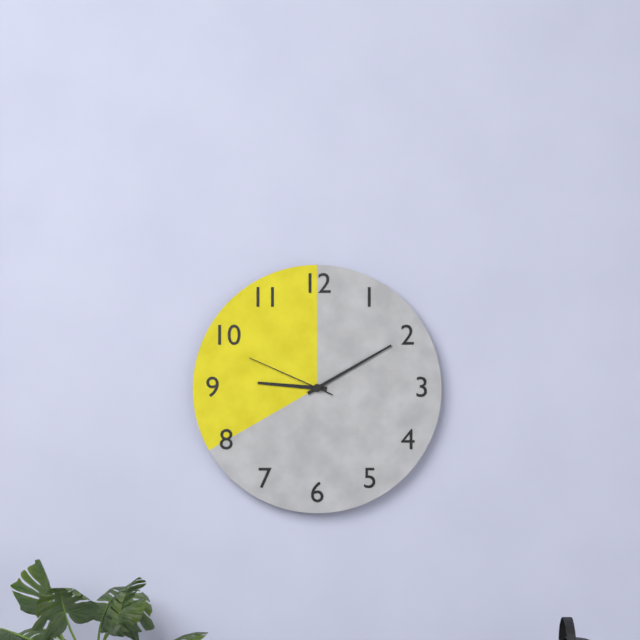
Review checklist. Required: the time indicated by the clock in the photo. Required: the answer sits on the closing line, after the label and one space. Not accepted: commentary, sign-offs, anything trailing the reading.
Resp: 9:10:49
